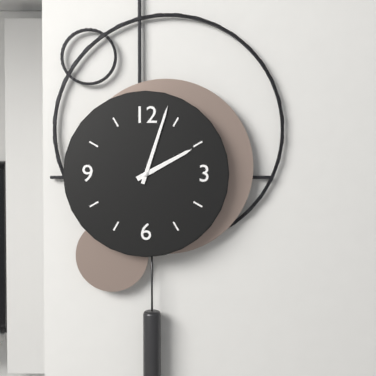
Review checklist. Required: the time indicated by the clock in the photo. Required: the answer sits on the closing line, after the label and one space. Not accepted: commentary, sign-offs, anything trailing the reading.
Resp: 2:03
